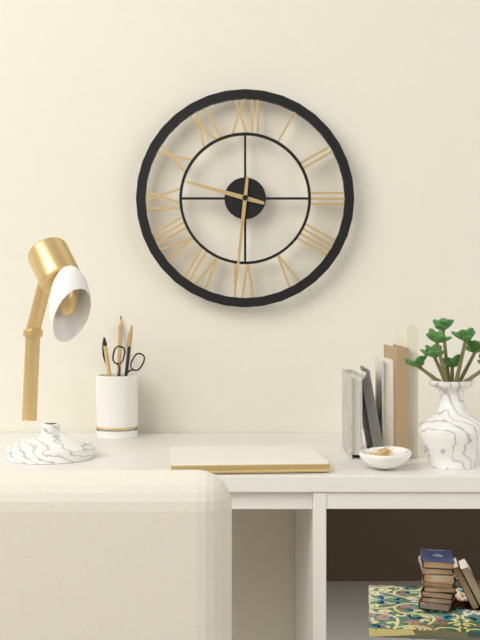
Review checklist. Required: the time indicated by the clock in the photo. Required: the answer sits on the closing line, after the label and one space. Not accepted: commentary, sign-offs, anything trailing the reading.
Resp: 9:31
